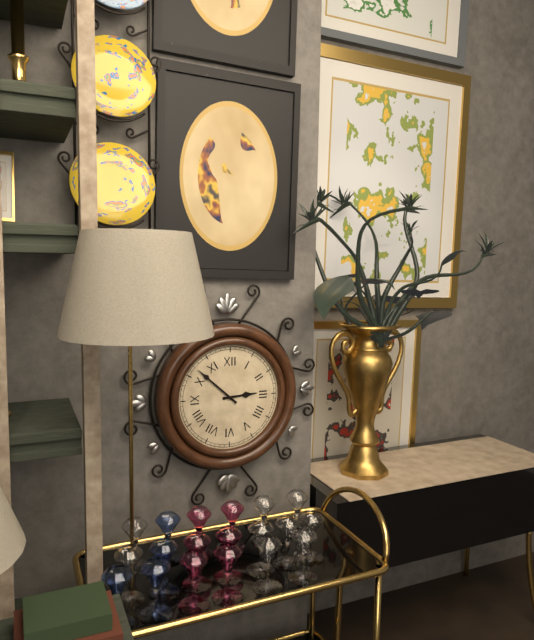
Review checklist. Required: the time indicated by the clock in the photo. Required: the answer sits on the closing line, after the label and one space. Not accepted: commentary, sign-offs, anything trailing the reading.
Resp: 2:52
